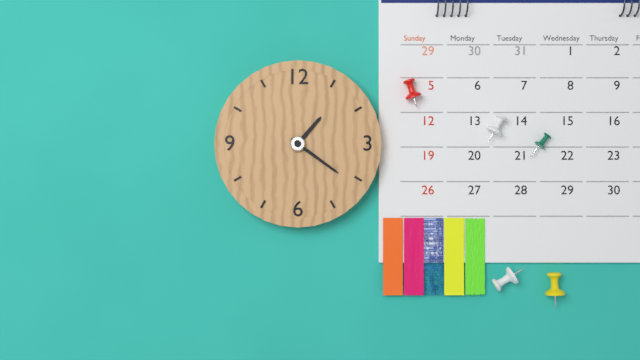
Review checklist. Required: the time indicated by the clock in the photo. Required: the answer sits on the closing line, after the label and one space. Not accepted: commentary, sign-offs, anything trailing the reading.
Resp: 1:21
